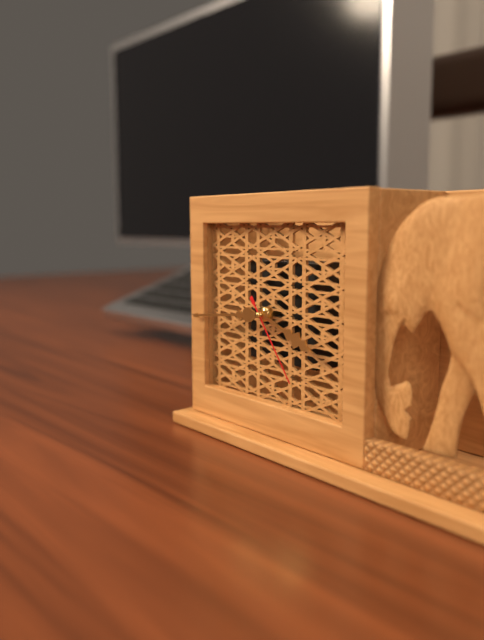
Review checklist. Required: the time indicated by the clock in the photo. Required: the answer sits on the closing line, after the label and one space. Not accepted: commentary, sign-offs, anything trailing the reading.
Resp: 3:44:24
